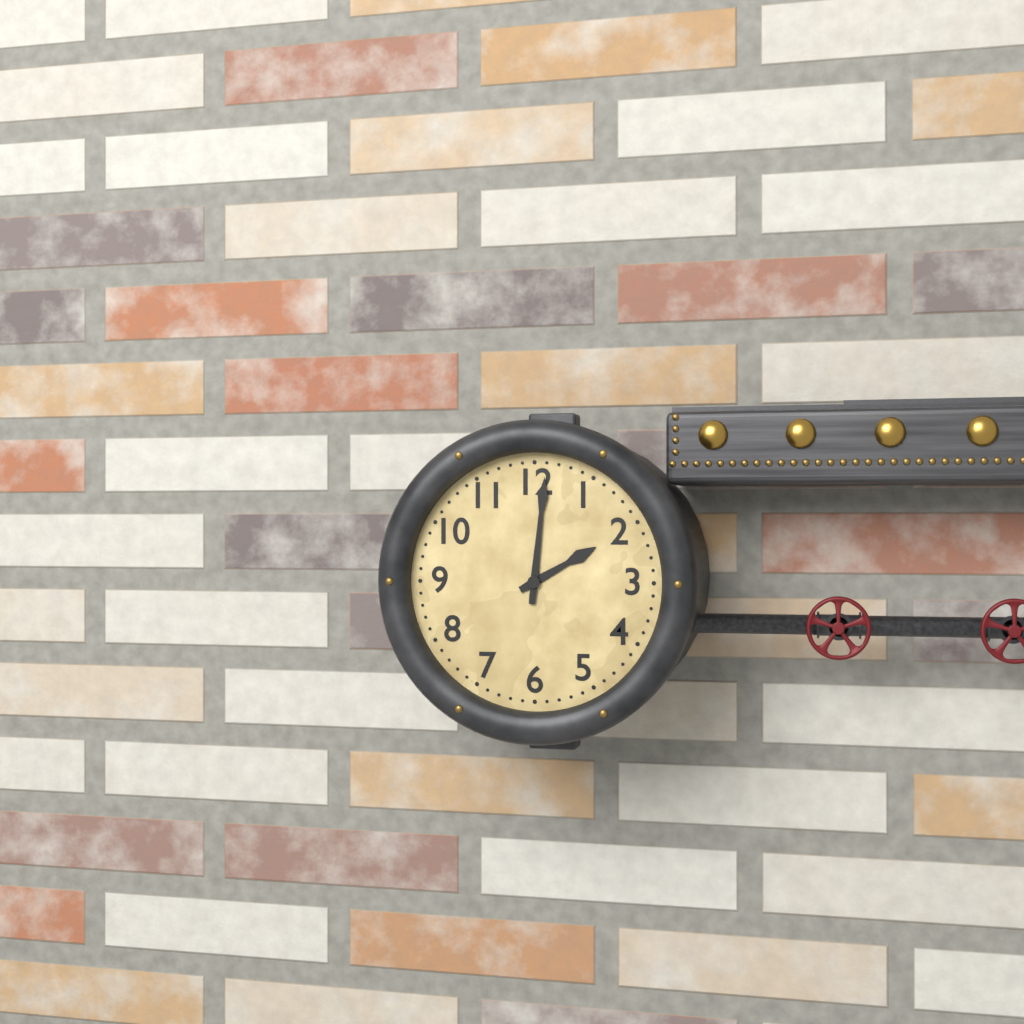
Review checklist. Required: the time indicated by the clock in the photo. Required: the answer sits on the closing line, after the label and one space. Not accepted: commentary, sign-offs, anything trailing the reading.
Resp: 2:01
